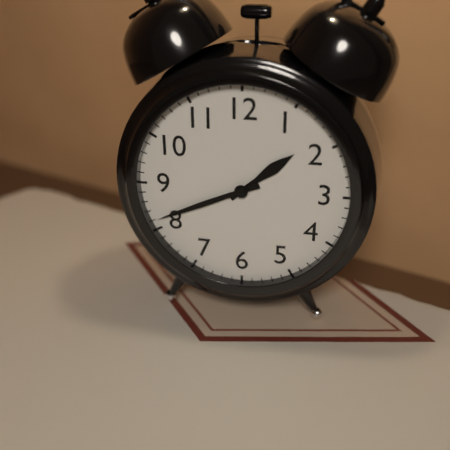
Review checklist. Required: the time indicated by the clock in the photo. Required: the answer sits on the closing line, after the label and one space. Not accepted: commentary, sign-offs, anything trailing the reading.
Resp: 1:41
